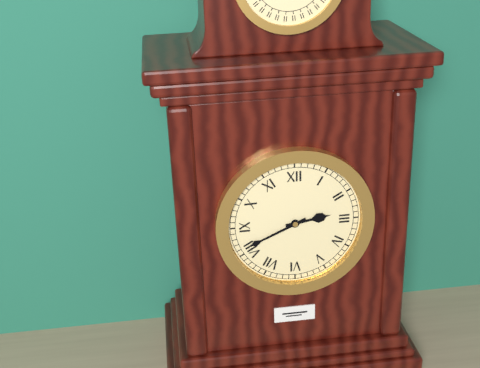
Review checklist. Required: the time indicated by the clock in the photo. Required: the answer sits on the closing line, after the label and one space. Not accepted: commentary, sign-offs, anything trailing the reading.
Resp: 2:41
